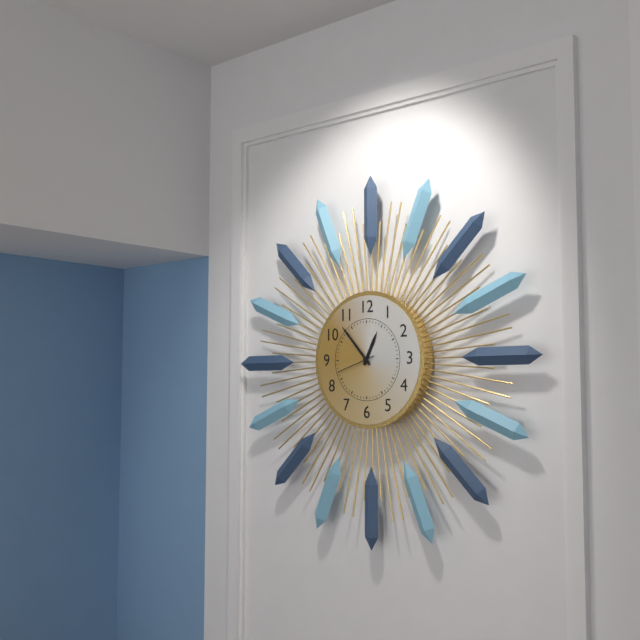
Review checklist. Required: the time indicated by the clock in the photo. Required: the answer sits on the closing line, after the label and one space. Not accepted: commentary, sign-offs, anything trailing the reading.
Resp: 12:53
